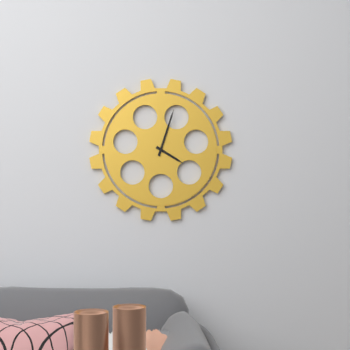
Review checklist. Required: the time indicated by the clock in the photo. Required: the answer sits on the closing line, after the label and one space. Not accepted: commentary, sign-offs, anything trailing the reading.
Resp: 4:03
